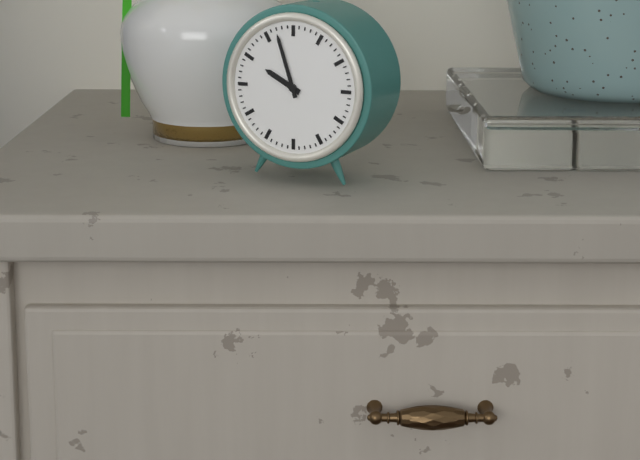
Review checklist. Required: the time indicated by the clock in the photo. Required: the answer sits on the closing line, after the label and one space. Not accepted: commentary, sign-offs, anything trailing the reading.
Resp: 9:57
